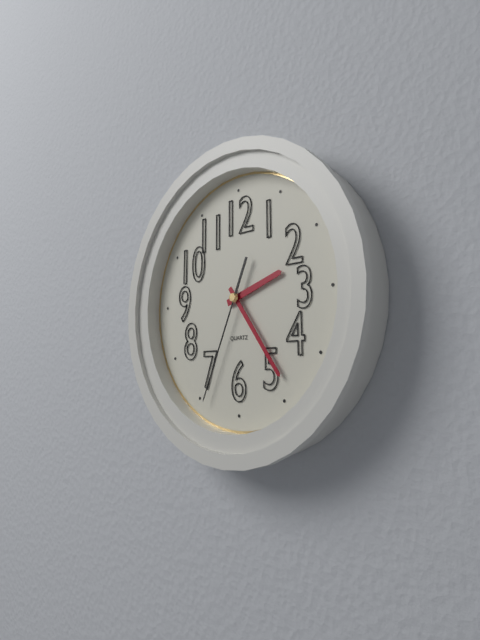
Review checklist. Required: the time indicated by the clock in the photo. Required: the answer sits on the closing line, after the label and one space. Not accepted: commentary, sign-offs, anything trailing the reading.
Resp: 2:24:34
